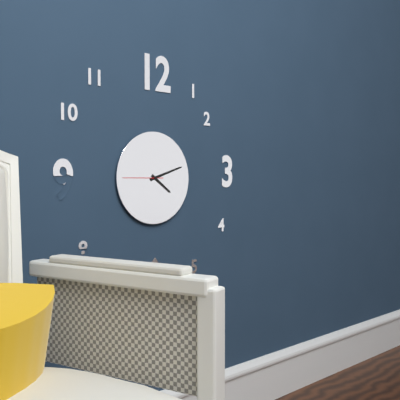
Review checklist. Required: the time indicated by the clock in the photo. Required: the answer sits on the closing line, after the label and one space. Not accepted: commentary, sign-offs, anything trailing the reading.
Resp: 4:12
